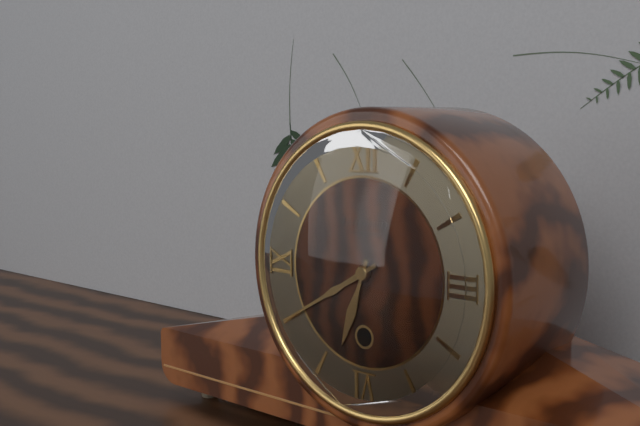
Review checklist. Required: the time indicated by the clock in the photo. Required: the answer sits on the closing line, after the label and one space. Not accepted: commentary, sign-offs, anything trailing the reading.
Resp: 6:40
